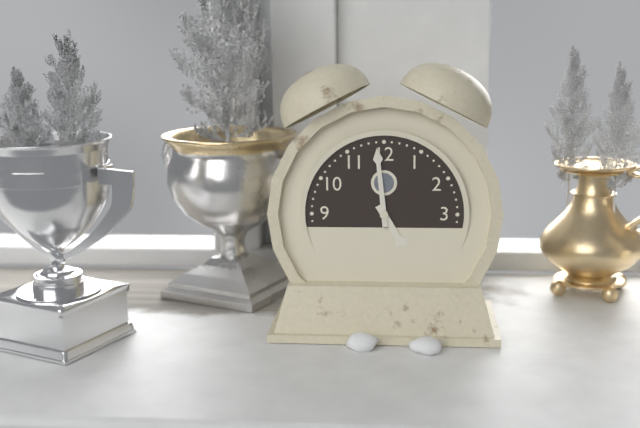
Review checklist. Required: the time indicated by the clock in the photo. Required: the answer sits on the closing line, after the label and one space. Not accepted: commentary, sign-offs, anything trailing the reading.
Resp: 4:59
